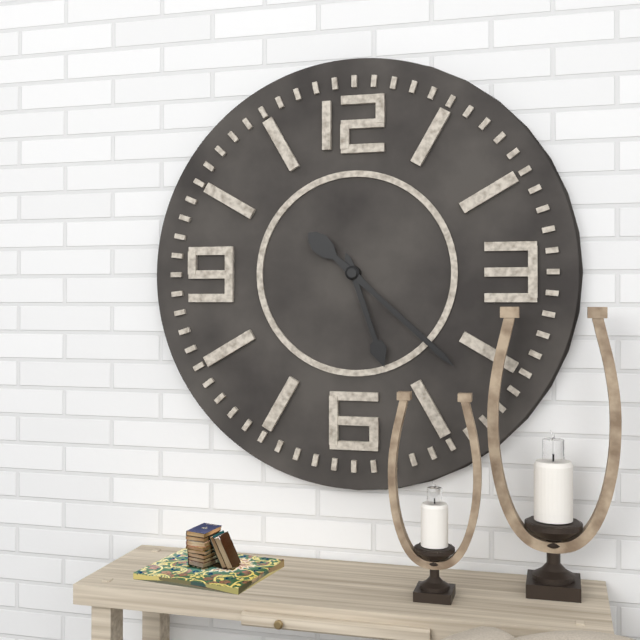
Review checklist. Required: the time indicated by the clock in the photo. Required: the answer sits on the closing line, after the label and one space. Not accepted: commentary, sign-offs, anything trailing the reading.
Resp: 5:22
